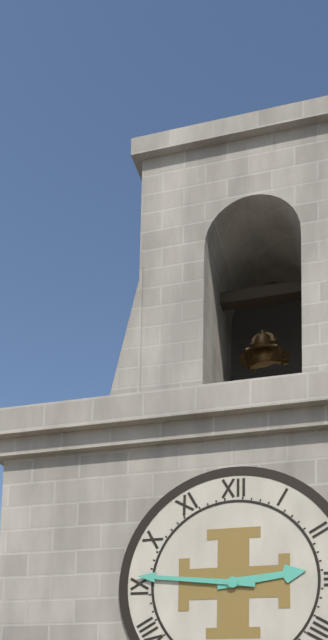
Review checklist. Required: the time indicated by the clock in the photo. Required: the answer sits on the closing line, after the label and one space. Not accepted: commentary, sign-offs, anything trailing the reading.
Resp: 2:46
